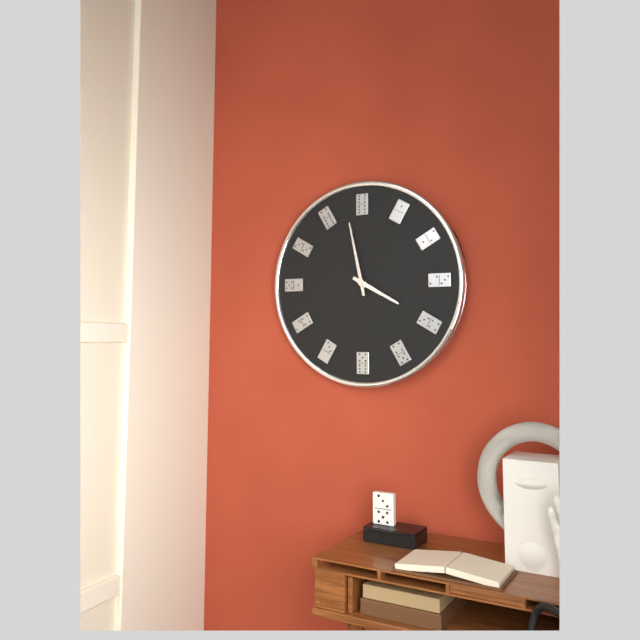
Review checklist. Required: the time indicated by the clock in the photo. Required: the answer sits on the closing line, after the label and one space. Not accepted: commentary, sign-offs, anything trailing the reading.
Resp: 3:58
